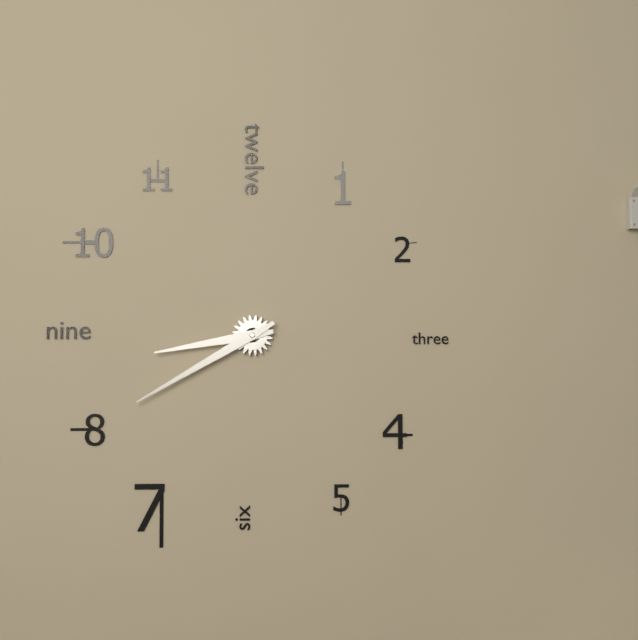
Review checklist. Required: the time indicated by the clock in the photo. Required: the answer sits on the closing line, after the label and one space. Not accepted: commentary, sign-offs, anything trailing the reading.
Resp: 8:40
